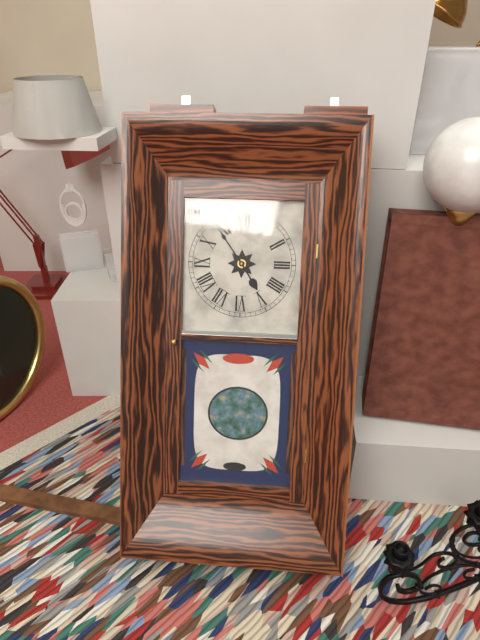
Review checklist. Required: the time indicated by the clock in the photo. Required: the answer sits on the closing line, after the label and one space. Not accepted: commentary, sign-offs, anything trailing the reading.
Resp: 4:54
